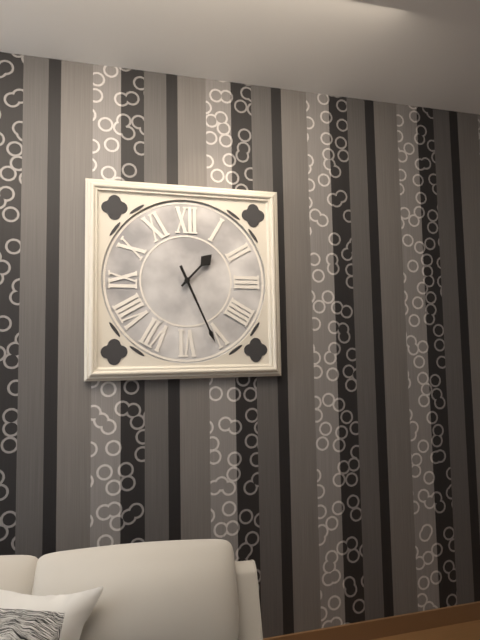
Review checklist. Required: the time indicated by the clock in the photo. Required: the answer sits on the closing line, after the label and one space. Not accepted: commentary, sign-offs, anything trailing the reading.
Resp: 1:26
